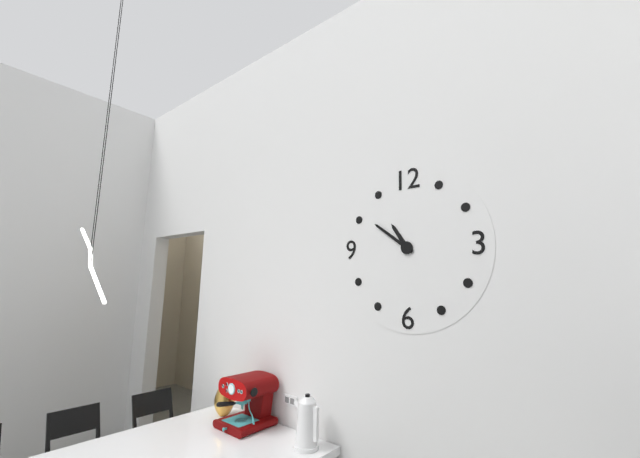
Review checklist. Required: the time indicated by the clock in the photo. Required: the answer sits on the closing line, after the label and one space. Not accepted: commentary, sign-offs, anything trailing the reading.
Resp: 10:51
